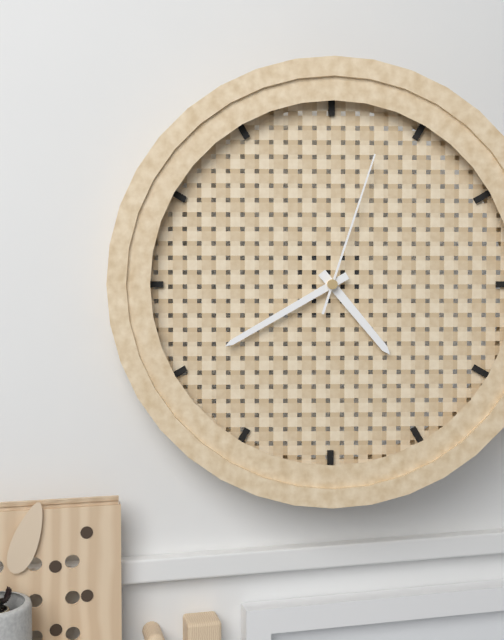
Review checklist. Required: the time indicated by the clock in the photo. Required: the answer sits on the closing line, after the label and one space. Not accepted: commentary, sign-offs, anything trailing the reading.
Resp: 4:40:03
